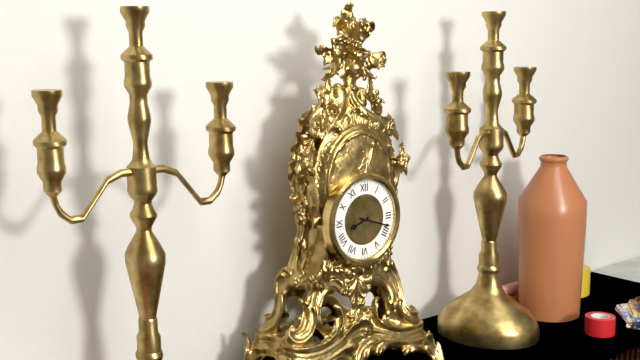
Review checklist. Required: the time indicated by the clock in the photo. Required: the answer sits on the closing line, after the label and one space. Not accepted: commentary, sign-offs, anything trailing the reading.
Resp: 8:18
